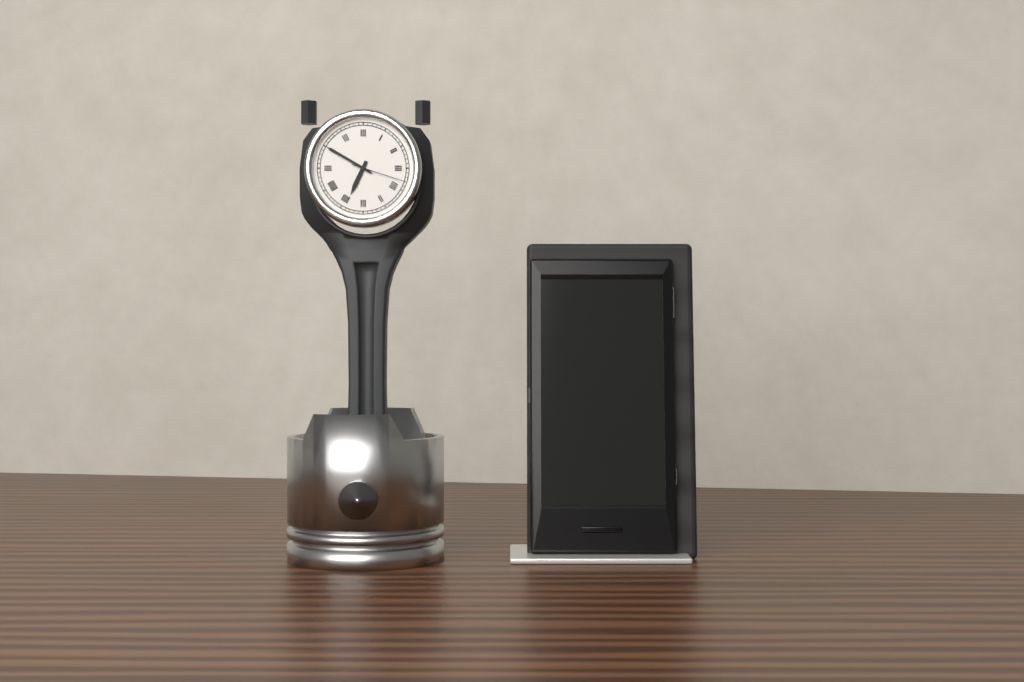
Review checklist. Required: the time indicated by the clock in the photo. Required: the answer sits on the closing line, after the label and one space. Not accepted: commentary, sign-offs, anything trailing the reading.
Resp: 6:50:18
